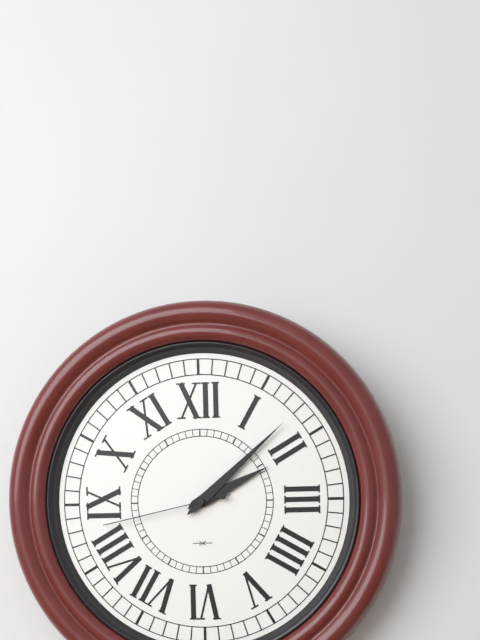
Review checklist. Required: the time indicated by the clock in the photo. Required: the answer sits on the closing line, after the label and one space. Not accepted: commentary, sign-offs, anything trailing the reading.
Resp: 2:08:43
